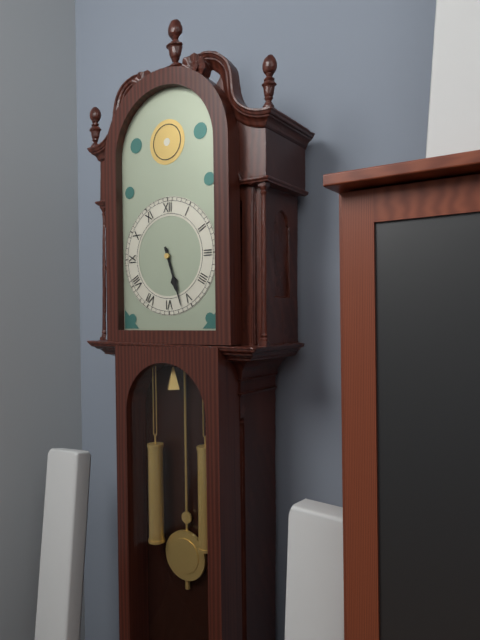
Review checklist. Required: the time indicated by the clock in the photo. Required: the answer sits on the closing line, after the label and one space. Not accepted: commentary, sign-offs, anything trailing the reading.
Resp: 5:27
